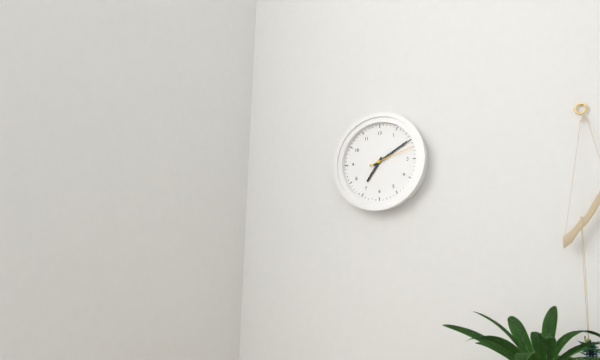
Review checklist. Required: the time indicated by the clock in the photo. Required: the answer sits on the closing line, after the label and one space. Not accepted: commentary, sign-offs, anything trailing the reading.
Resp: 7:10
